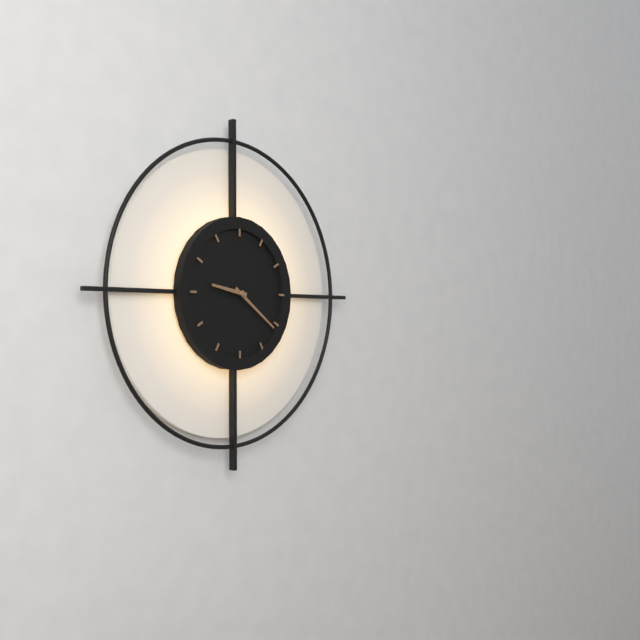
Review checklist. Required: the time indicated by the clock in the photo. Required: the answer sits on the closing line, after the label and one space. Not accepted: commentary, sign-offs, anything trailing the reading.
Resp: 9:21
